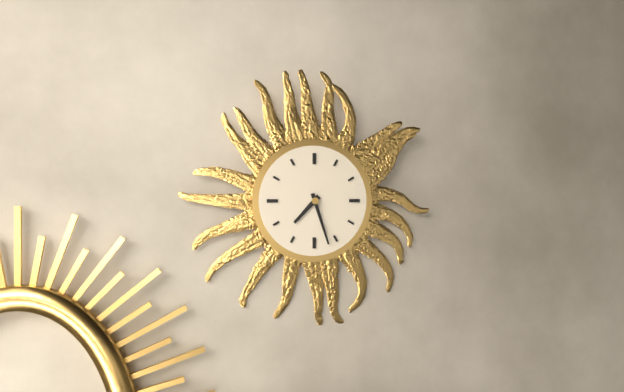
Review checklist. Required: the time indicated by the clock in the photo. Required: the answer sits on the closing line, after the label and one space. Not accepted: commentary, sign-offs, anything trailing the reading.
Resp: 7:27
